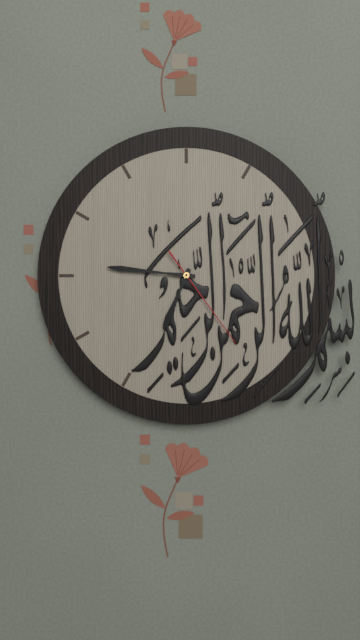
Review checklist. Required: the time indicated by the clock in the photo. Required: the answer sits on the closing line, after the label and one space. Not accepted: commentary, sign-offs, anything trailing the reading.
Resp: 6:46:24
